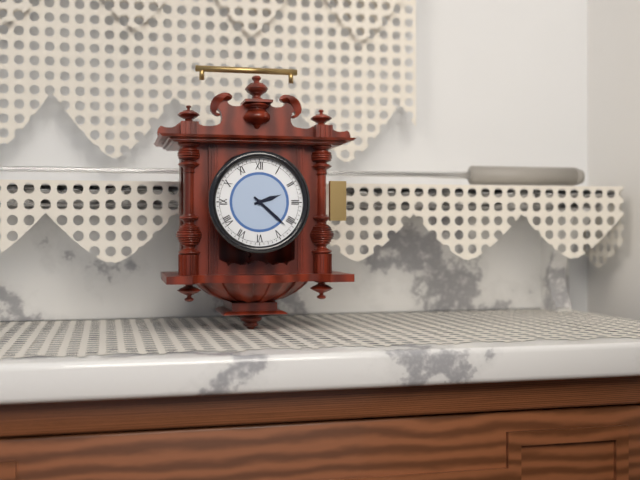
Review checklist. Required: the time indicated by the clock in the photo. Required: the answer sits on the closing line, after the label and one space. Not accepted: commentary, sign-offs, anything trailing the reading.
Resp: 2:22
